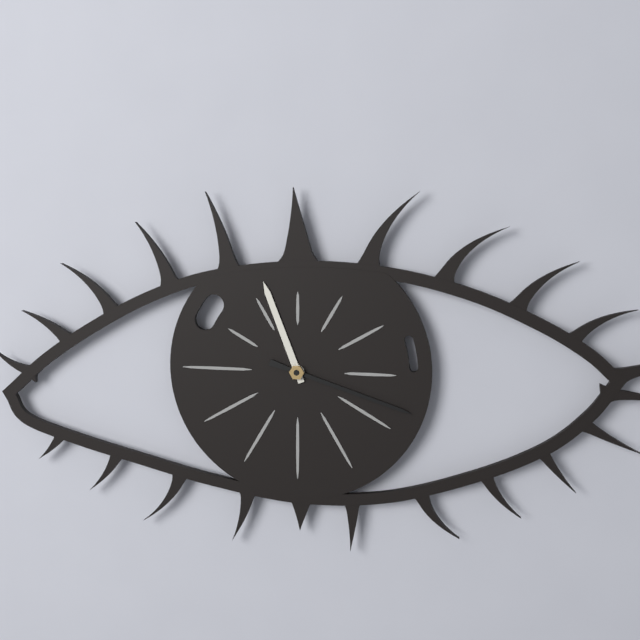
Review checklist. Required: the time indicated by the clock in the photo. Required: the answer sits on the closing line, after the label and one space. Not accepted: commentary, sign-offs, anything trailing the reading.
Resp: 11:18
